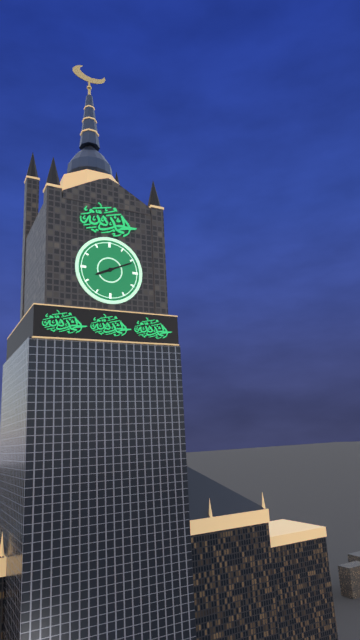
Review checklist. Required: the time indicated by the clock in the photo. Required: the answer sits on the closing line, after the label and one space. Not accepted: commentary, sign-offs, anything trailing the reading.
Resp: 8:11
